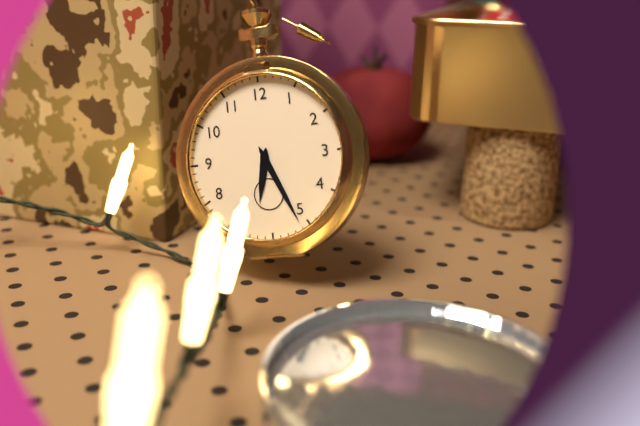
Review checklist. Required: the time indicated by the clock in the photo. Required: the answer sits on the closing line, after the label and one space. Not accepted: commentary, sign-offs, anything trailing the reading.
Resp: 6:26
